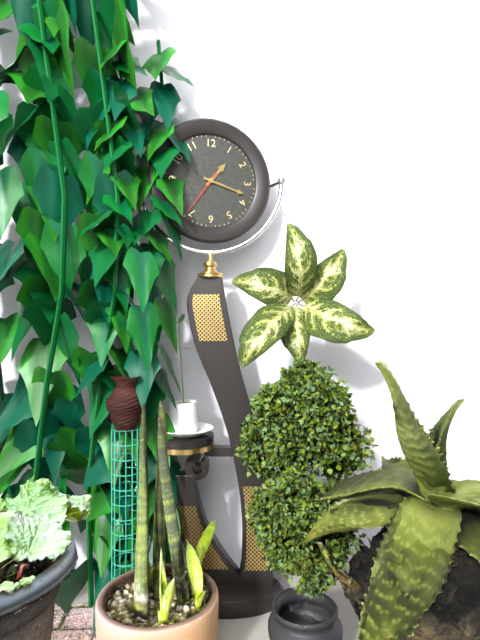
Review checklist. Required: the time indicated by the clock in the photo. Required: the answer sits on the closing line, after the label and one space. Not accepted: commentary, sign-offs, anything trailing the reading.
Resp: 1:18
